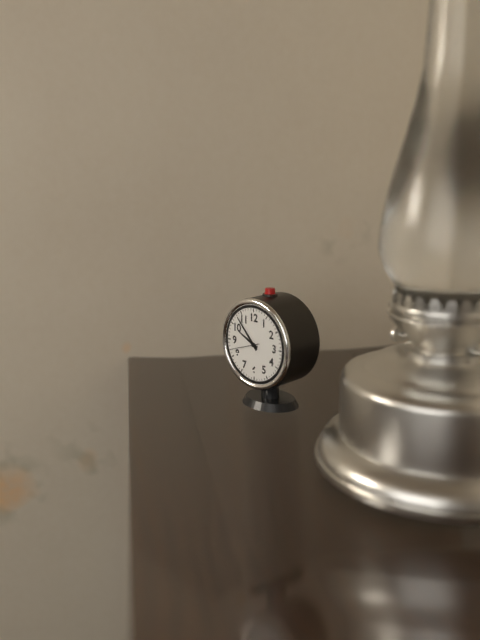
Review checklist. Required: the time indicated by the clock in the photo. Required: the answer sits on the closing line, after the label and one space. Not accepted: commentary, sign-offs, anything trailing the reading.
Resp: 9:53:42
